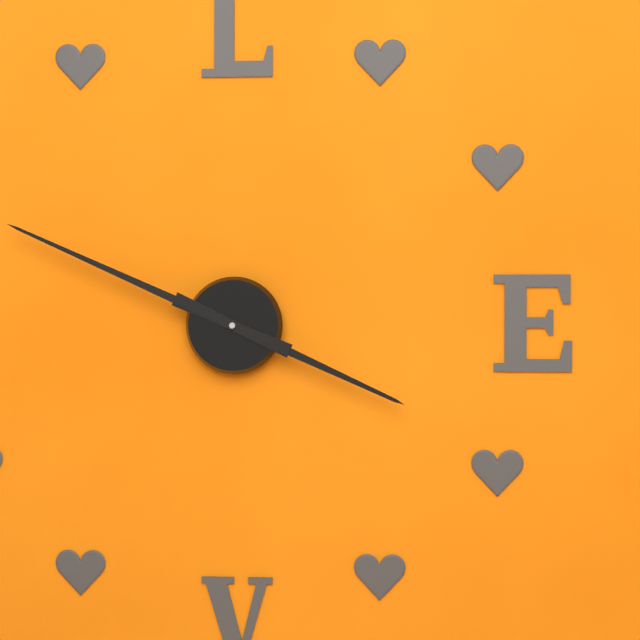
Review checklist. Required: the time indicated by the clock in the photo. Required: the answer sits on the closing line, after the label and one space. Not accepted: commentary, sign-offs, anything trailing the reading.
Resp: 3:49
